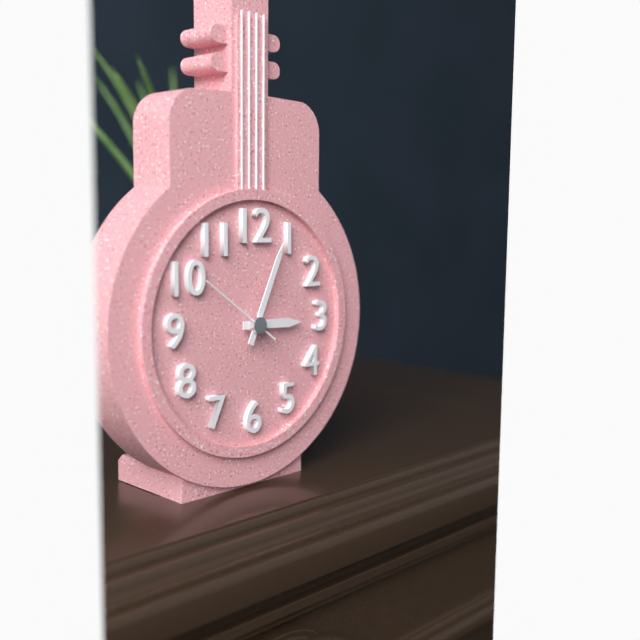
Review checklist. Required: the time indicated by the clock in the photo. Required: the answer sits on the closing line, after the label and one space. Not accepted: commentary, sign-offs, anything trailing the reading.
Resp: 3:04:51
